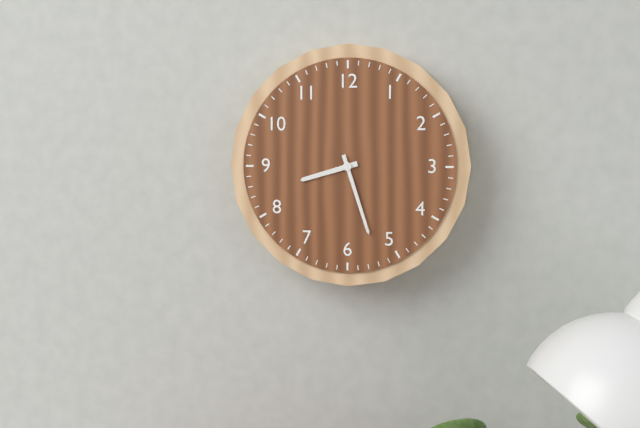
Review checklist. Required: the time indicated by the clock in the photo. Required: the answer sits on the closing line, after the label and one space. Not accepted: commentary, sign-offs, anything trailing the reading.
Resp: 8:27
